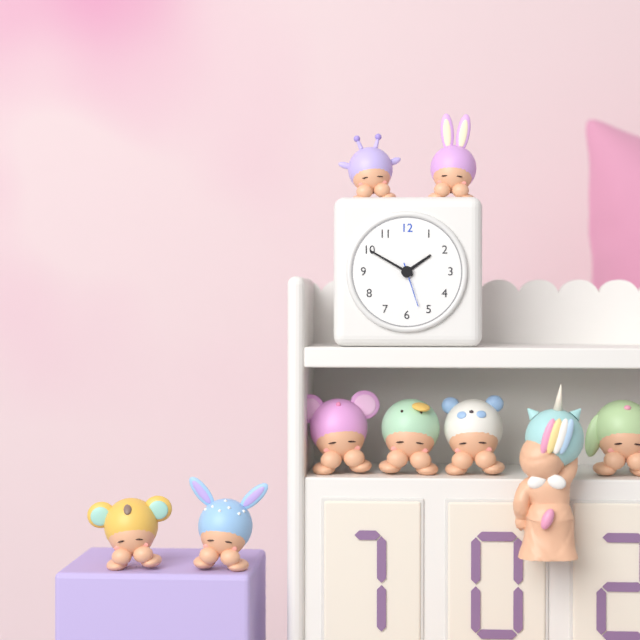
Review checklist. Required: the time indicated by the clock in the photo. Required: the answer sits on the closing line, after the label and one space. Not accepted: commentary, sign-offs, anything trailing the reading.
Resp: 1:50
